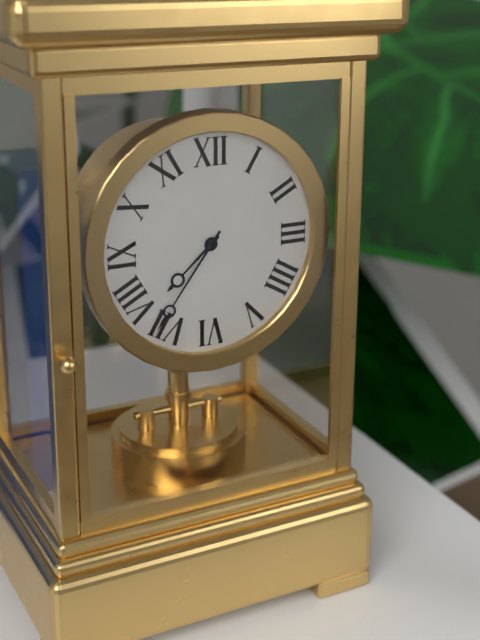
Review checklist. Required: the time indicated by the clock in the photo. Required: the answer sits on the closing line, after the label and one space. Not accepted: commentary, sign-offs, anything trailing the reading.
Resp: 7:36
